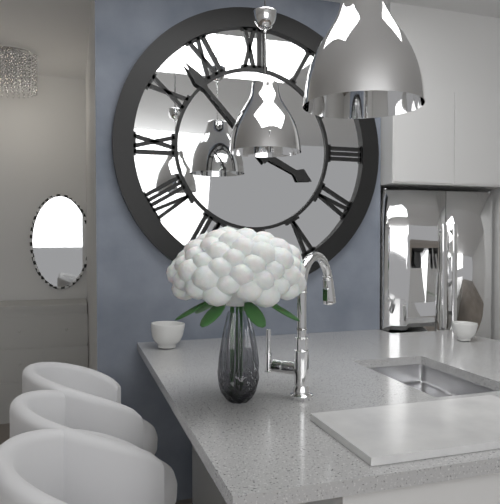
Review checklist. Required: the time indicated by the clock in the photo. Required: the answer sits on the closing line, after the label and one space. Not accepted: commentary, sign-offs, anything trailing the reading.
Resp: 3:53
